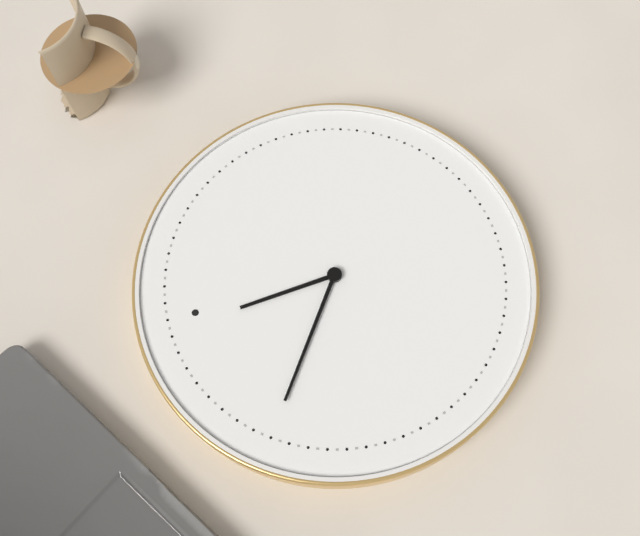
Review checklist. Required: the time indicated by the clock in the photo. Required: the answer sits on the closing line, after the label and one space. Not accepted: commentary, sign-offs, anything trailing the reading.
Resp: 11:51
